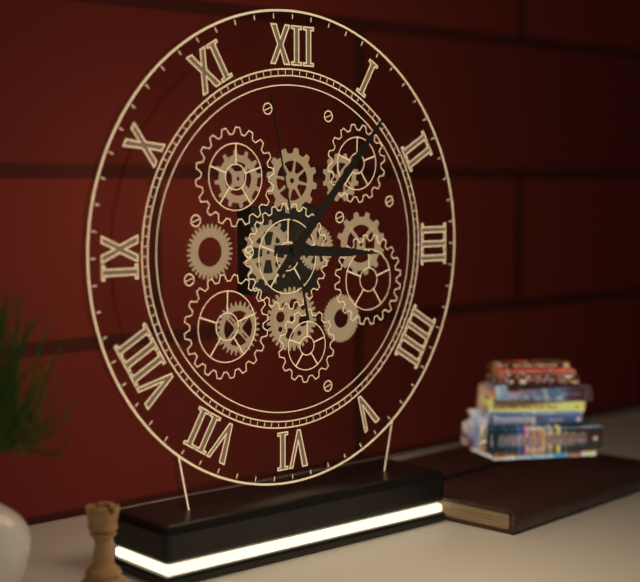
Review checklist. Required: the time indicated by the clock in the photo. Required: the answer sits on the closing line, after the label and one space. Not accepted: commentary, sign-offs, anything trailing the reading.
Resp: 3:07:58
